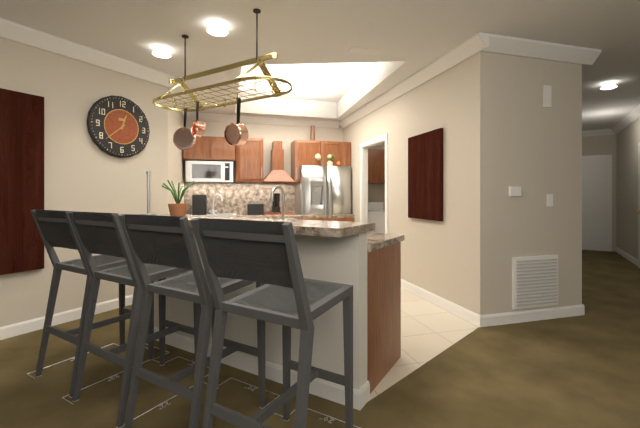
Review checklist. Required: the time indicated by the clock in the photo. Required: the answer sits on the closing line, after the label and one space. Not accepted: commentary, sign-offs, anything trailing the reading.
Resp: 12:38
